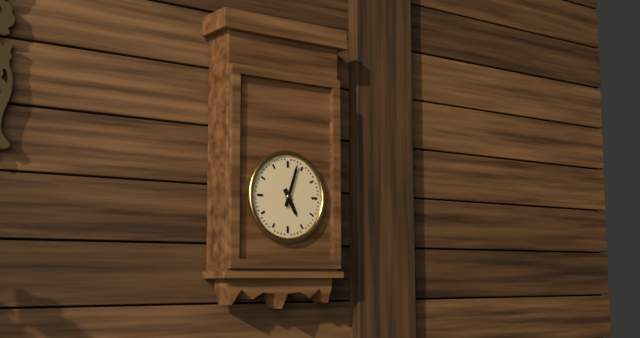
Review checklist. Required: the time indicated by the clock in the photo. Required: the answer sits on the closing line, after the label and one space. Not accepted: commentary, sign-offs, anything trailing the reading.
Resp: 5:03
